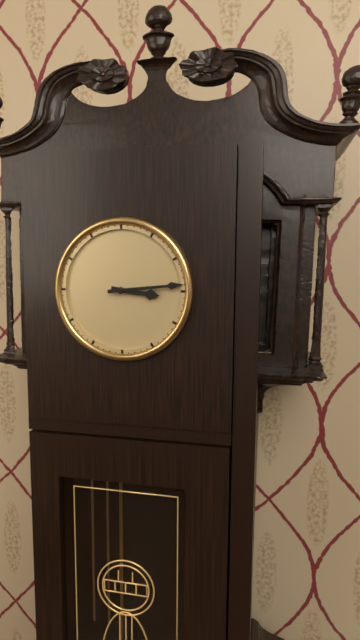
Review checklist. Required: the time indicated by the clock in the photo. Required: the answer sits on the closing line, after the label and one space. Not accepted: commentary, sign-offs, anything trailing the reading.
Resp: 3:14
